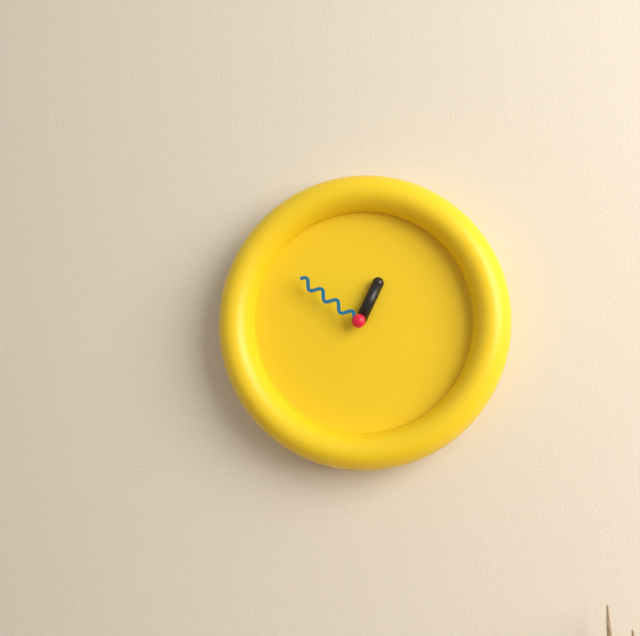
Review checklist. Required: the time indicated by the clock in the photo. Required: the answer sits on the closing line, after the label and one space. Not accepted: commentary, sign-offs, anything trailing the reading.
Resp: 12:51
